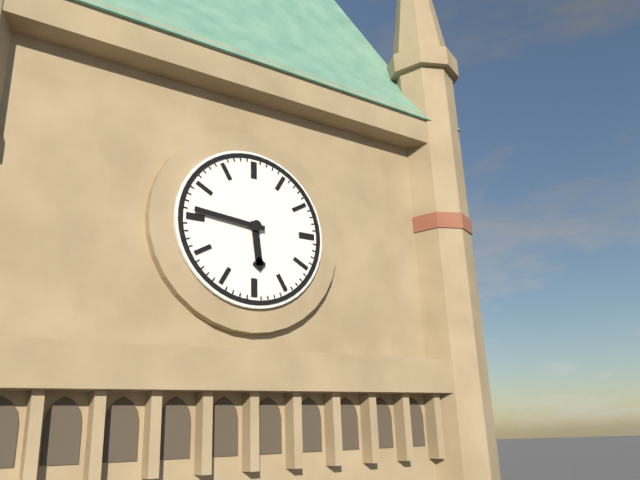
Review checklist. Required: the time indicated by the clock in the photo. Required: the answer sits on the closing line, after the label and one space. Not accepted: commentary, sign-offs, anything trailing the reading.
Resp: 5:46
